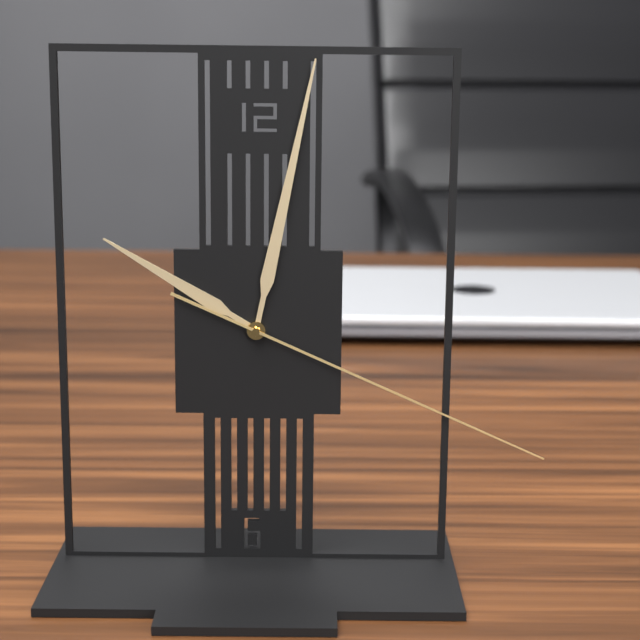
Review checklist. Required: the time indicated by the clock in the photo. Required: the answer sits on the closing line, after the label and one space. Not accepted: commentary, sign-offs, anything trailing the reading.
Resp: 10:02:19
